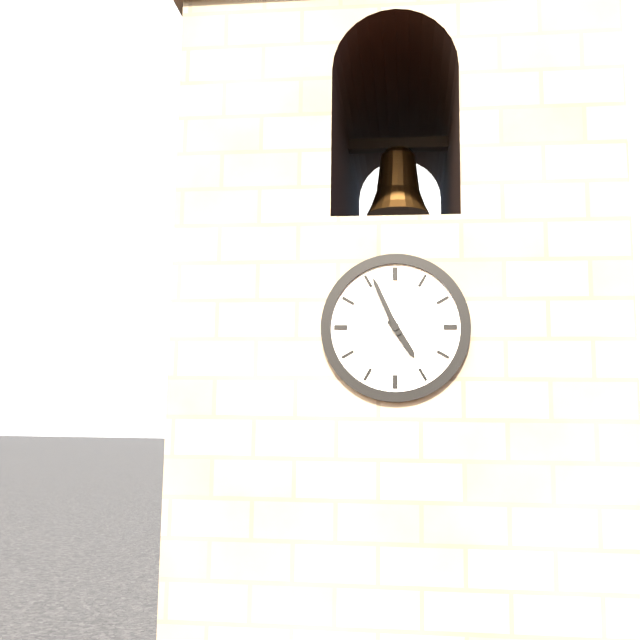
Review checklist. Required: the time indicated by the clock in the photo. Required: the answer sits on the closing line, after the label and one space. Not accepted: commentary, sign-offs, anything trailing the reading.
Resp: 4:56
